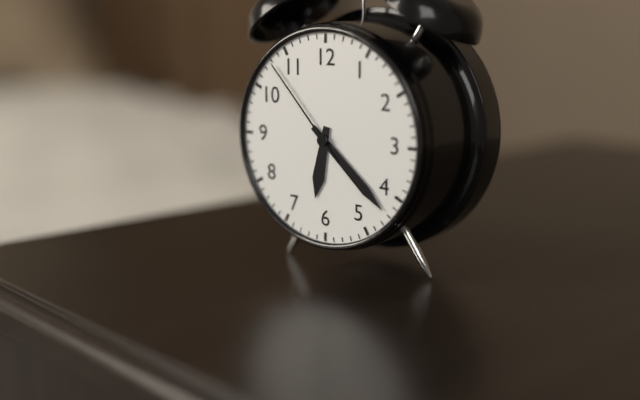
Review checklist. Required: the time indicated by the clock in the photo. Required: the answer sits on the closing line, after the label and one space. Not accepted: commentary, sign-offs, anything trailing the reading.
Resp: 6:22:53
